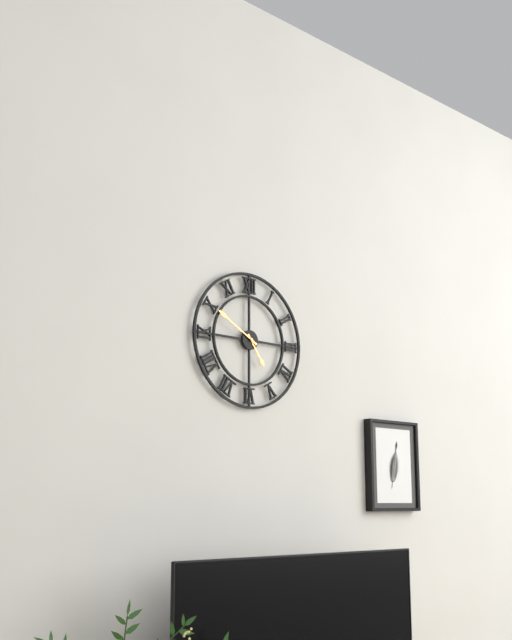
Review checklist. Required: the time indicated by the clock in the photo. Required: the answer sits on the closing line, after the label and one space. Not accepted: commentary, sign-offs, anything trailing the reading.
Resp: 4:50
